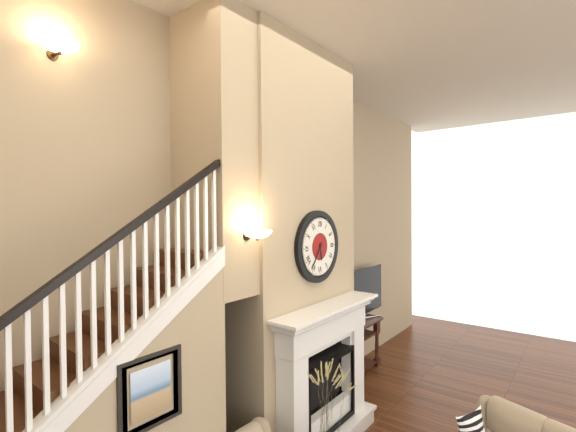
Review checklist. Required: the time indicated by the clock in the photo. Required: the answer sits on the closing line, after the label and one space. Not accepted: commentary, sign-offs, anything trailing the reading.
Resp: 5:36
